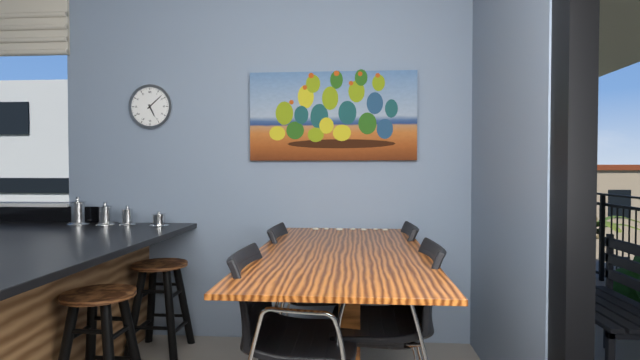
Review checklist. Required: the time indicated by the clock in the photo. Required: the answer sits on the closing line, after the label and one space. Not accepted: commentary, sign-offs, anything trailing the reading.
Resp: 5:08
